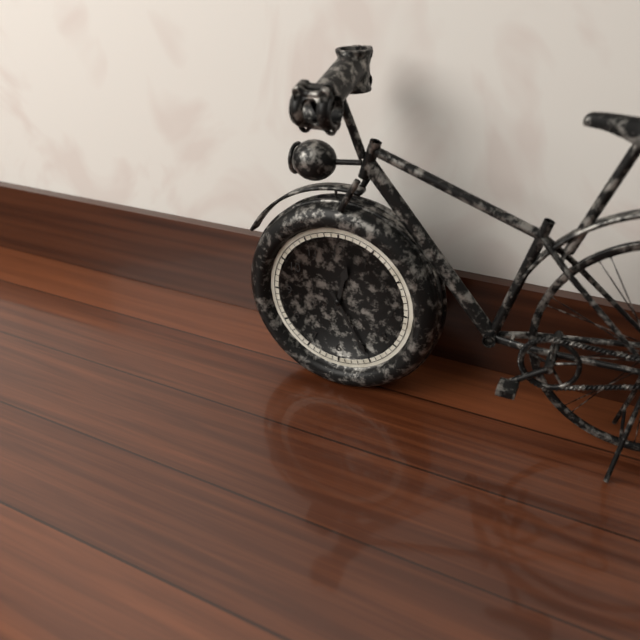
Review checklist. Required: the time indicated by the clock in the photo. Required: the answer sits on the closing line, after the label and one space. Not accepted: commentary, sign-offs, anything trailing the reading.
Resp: 12:25
